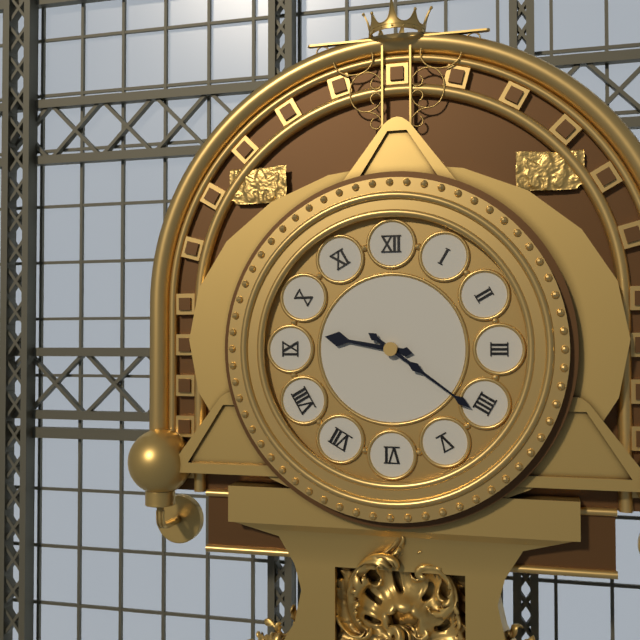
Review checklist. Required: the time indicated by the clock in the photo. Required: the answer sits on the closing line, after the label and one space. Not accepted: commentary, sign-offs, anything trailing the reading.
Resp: 9:21
